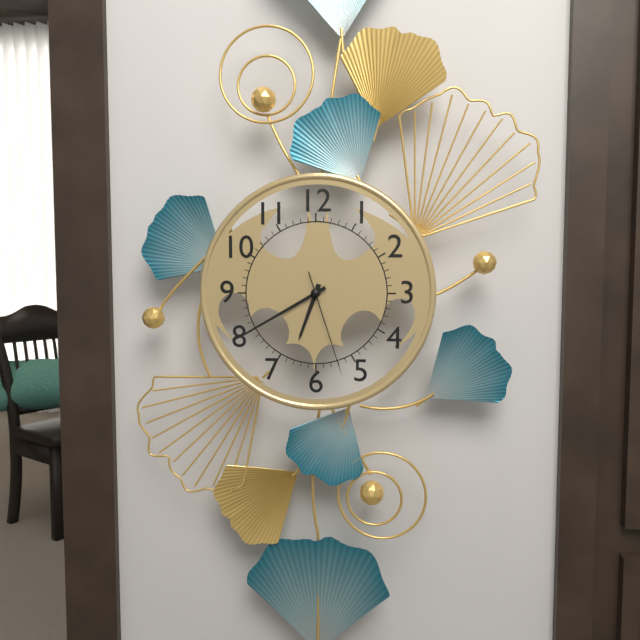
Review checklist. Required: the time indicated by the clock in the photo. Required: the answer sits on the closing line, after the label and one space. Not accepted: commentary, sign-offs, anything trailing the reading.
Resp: 6:40:27
